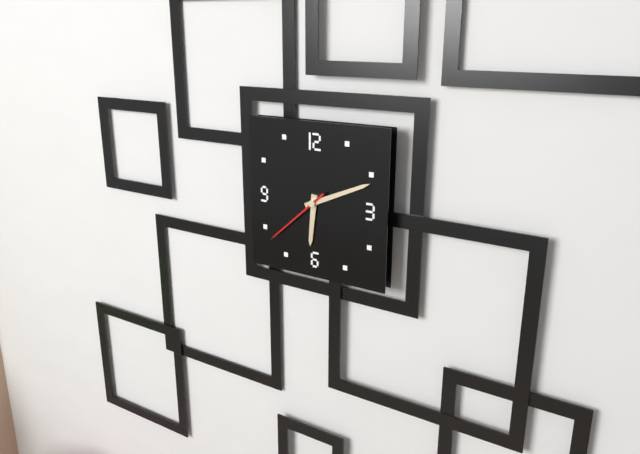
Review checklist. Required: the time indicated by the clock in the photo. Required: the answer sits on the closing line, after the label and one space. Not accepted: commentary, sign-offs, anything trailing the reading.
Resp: 6:11:38
